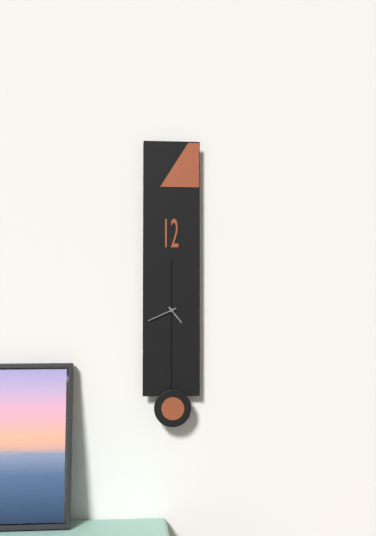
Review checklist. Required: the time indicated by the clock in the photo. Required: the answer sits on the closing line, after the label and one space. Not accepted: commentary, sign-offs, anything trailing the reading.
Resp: 4:41
